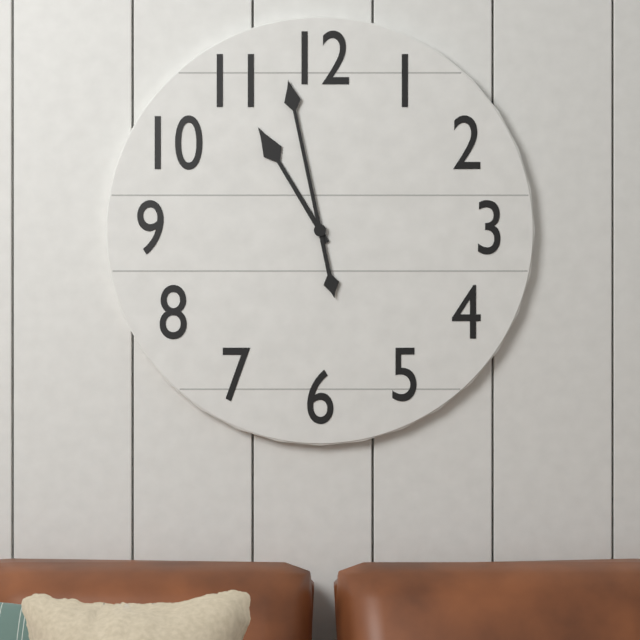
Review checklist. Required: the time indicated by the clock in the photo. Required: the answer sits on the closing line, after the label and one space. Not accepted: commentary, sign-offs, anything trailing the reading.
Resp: 10:58
